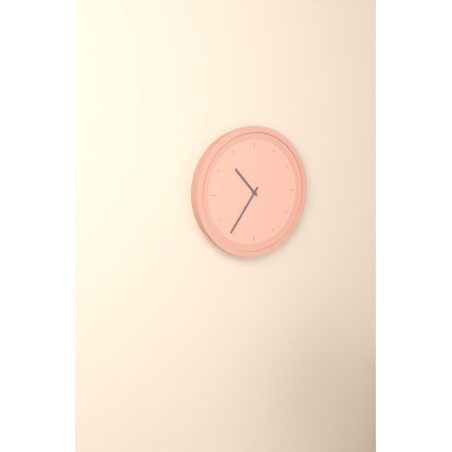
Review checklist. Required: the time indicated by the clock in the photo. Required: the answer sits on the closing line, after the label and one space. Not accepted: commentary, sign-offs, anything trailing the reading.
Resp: 10:36
